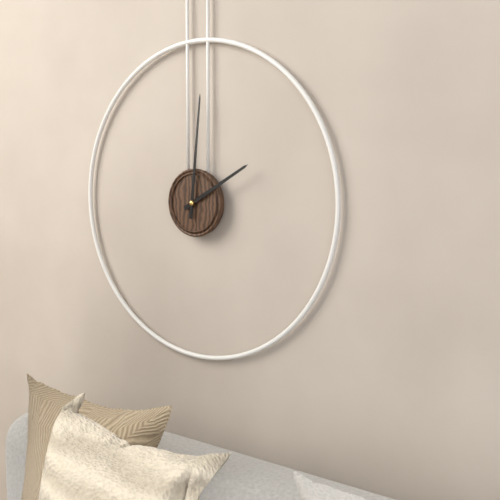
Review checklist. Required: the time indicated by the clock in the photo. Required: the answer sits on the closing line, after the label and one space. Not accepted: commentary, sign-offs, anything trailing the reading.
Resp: 2:01
